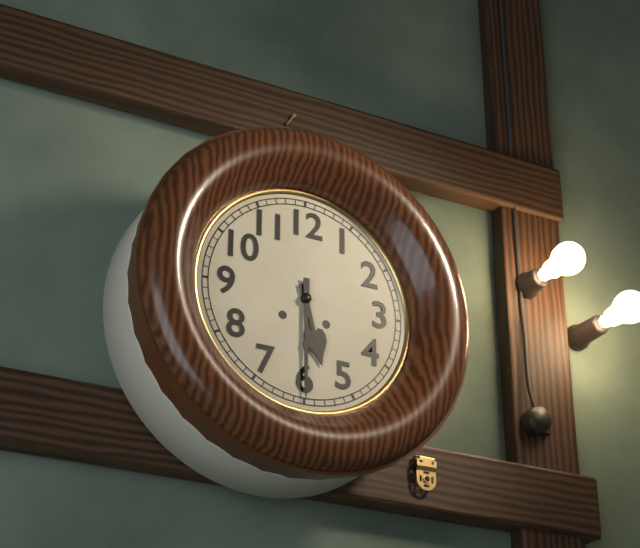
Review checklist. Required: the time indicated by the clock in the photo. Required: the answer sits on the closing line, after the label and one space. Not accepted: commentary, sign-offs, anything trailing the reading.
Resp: 5:30
